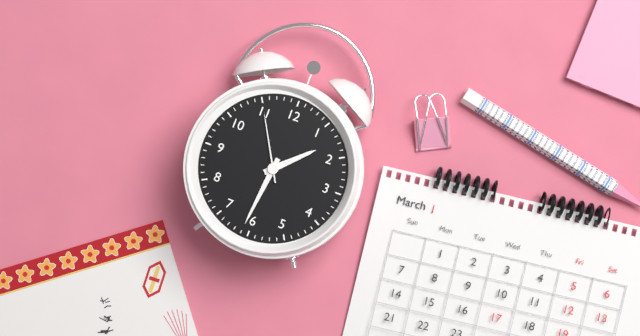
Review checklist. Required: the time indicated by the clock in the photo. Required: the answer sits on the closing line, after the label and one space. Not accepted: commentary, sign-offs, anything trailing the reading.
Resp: 1:31:55
